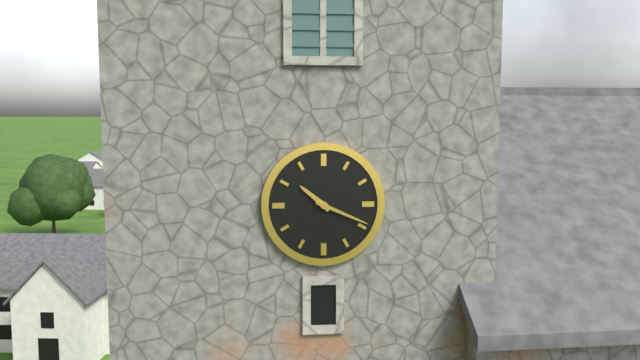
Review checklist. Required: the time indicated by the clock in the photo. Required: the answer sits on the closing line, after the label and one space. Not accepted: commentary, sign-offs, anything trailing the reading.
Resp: 10:19
